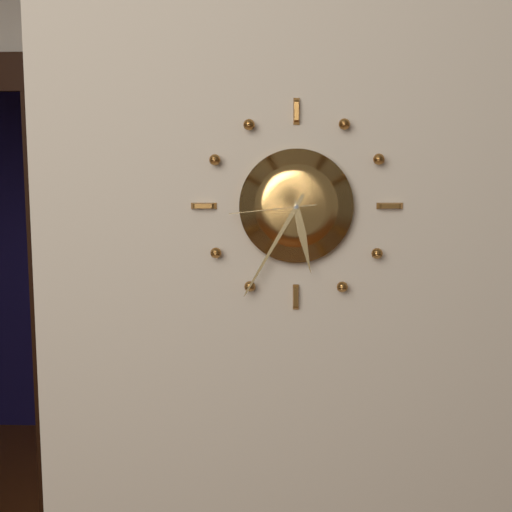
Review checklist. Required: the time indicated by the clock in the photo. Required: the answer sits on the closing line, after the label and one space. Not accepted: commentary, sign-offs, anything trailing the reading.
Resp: 5:35:44
